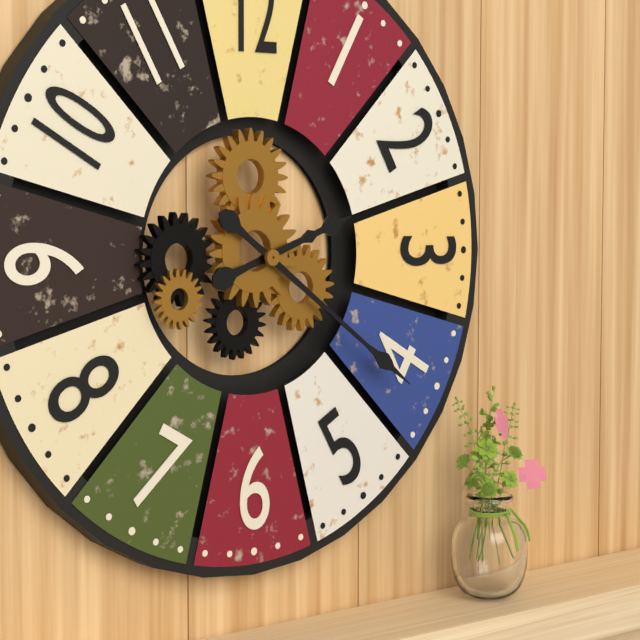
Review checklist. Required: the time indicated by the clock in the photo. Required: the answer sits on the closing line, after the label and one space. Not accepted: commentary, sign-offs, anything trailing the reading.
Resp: 2:21
